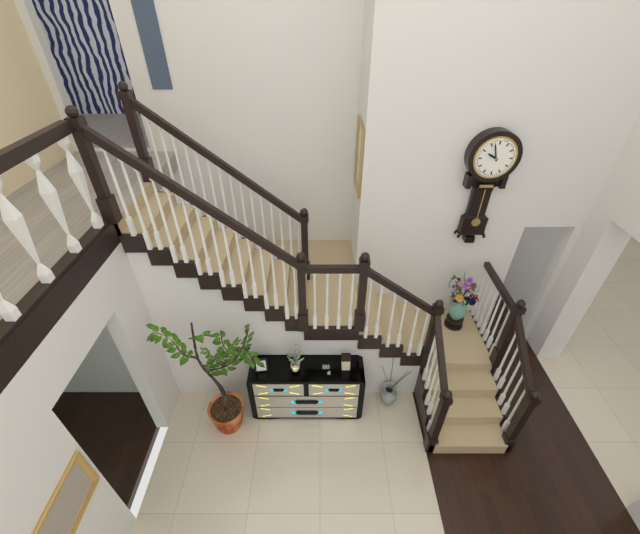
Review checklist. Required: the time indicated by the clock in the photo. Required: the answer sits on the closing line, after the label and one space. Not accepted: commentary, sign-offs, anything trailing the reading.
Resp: 9:57
